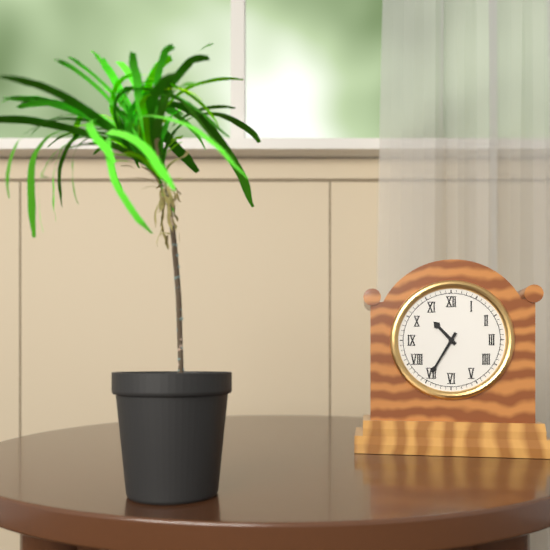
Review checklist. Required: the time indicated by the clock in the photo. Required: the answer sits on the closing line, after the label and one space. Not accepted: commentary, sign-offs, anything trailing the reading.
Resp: 10:35
